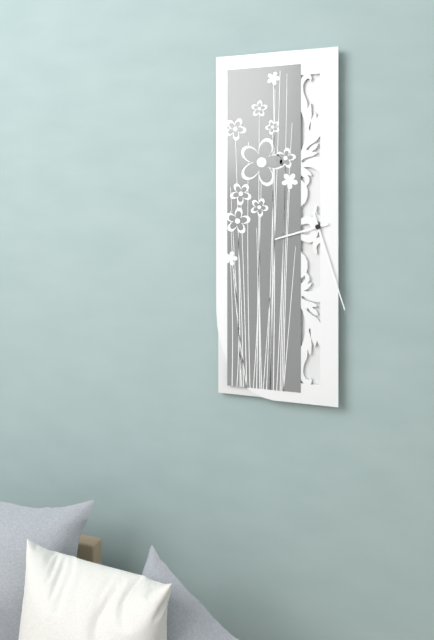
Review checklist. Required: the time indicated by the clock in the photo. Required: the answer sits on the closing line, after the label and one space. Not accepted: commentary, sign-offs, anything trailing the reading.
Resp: 8:27
